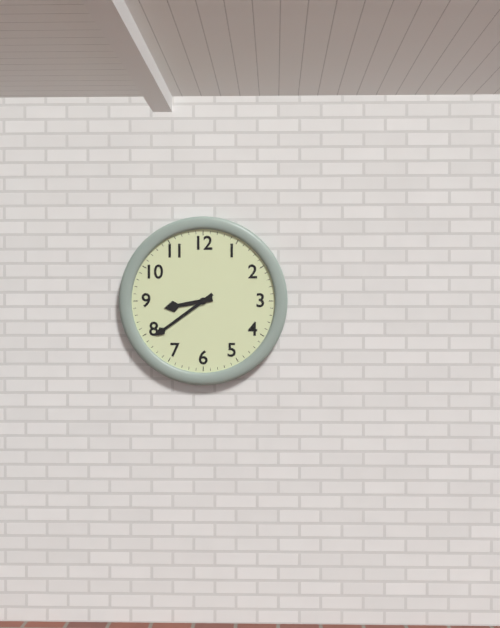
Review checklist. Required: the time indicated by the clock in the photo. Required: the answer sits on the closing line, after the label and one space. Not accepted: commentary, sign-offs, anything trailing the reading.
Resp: 8:39
